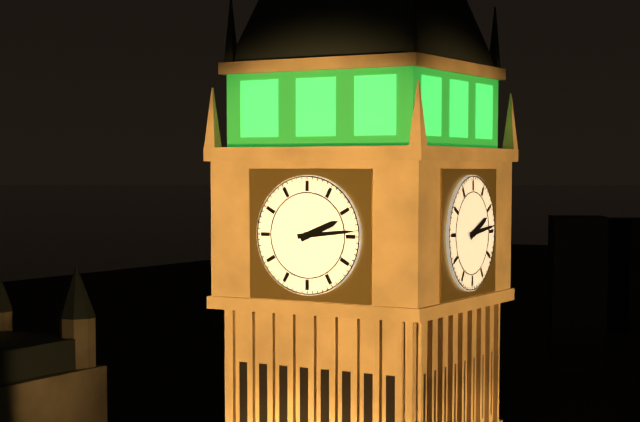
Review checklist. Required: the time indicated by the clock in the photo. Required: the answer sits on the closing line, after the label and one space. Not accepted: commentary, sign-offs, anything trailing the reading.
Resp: 2:14
